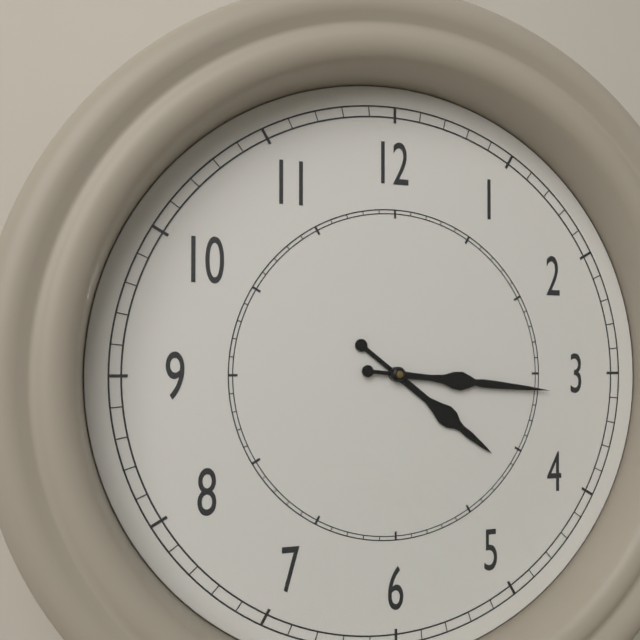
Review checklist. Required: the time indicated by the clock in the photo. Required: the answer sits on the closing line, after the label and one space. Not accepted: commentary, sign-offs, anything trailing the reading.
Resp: 4:16
